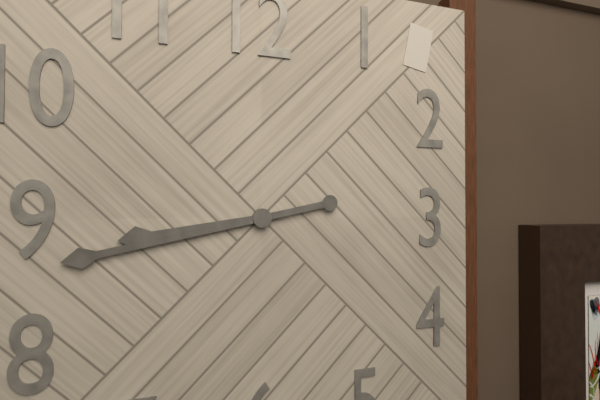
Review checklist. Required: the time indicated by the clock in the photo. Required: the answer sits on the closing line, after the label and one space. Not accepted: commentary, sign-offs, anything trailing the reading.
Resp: 8:43
